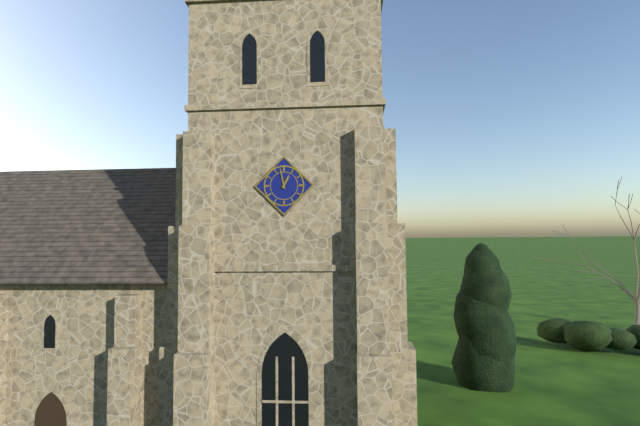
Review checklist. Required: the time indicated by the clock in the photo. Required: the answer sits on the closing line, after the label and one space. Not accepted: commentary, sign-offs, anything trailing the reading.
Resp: 12:58
